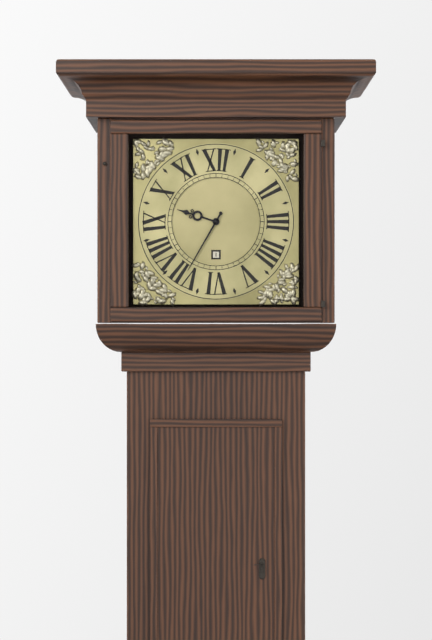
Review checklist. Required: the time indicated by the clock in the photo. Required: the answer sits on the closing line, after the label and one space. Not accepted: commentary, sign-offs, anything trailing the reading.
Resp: 9:35
